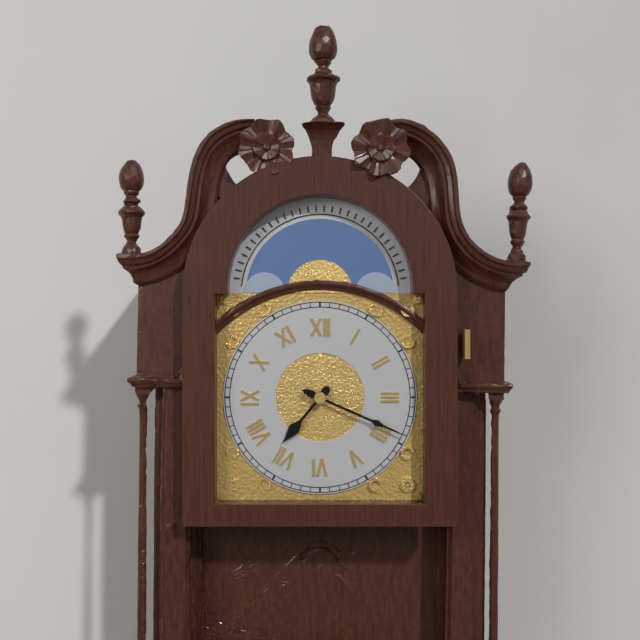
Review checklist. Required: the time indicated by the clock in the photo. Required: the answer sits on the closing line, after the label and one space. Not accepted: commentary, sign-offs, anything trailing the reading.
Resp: 7:19
